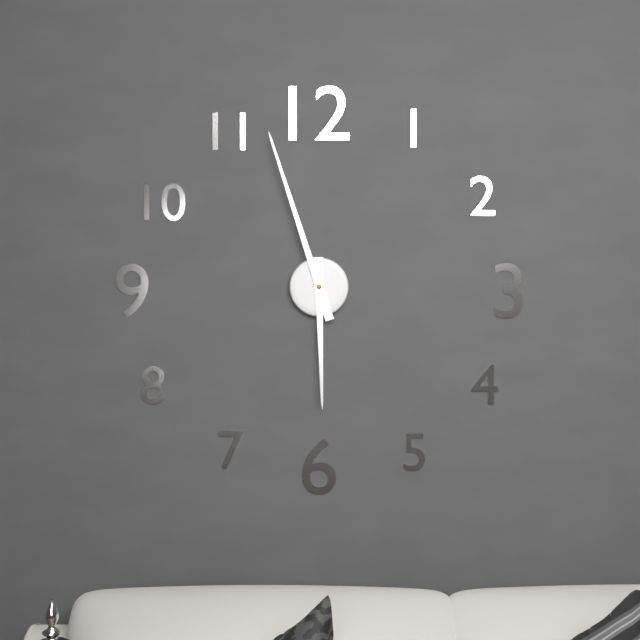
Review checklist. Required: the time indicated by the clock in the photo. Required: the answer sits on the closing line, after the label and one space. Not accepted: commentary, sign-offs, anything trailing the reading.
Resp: 5:57
